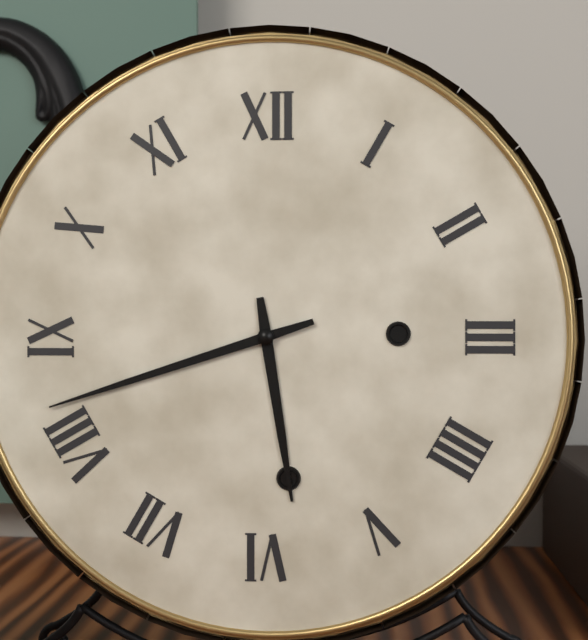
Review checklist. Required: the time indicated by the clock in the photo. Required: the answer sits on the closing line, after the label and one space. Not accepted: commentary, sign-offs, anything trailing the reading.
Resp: 5:42
